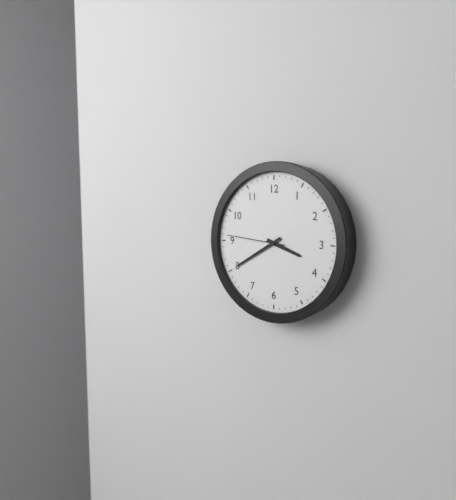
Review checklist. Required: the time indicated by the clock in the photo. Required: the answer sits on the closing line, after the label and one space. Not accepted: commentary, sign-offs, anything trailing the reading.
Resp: 3:40:46
